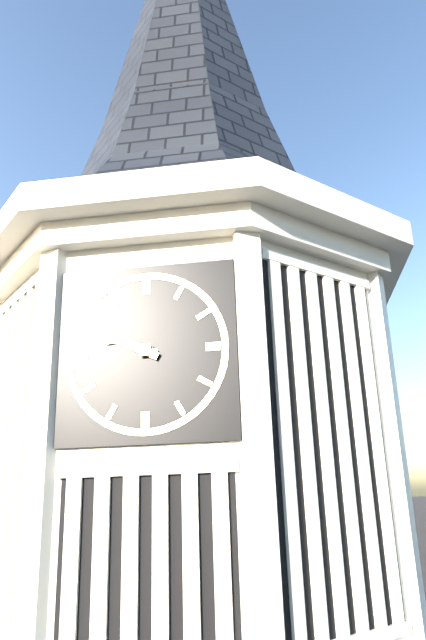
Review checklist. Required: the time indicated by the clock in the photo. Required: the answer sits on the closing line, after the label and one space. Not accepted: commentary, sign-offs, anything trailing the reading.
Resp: 9:50
